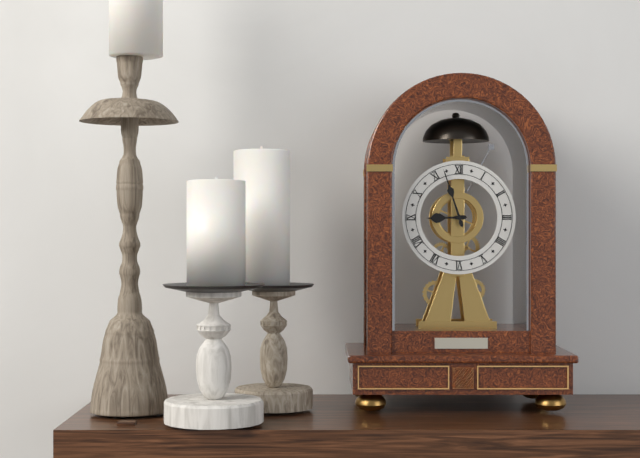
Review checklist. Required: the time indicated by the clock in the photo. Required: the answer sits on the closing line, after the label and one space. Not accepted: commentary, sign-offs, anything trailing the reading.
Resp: 8:57
